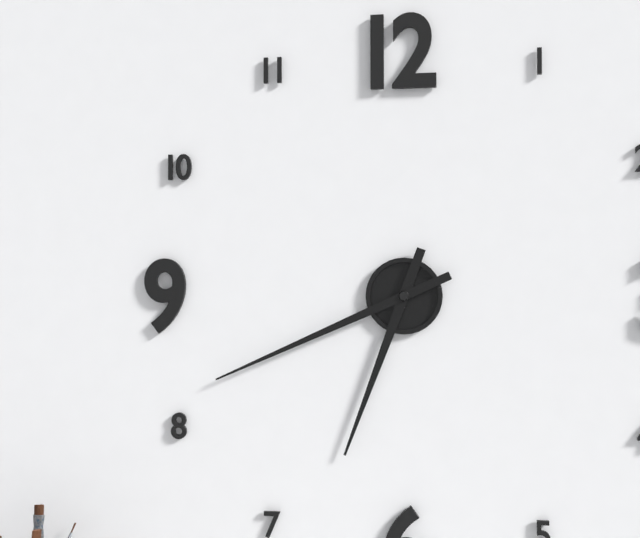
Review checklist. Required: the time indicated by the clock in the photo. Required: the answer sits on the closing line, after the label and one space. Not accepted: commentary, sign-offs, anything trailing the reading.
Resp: 6:41
